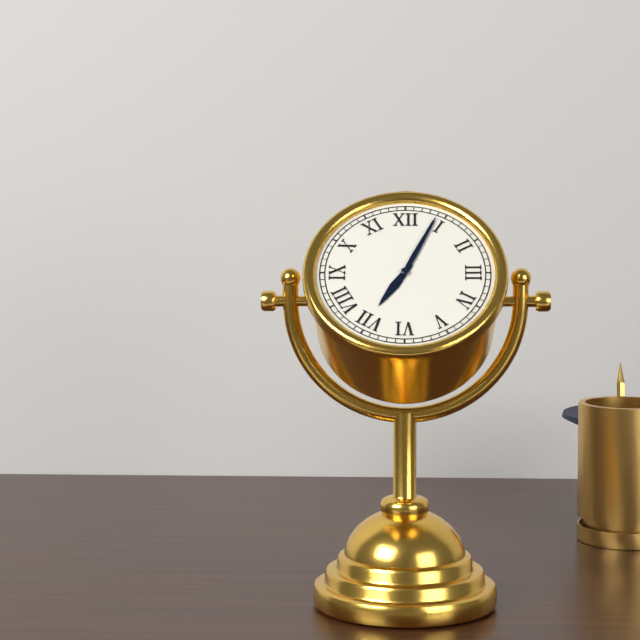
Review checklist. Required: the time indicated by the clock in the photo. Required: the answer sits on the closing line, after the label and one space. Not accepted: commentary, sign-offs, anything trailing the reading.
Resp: 7:04
